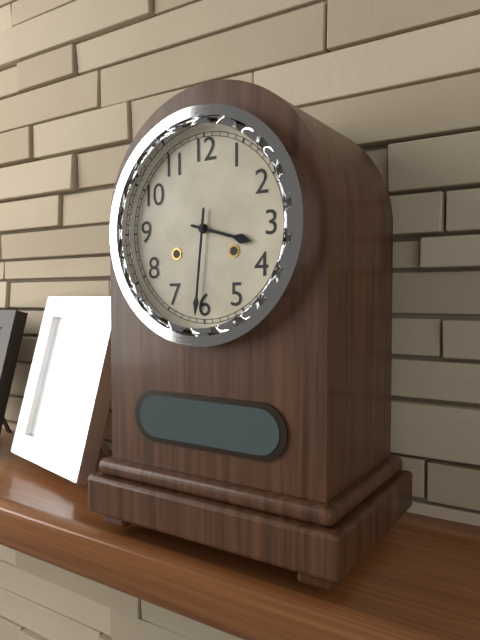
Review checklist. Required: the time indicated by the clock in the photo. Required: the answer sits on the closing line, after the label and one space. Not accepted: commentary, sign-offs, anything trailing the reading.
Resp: 3:31
